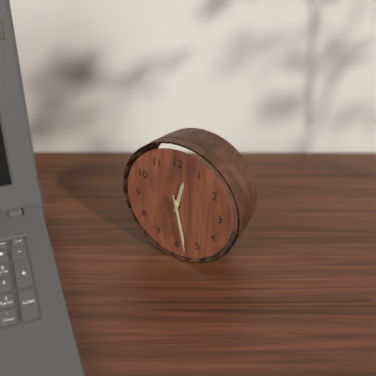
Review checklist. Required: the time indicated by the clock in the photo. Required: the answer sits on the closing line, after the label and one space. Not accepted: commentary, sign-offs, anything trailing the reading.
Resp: 12:28:28
